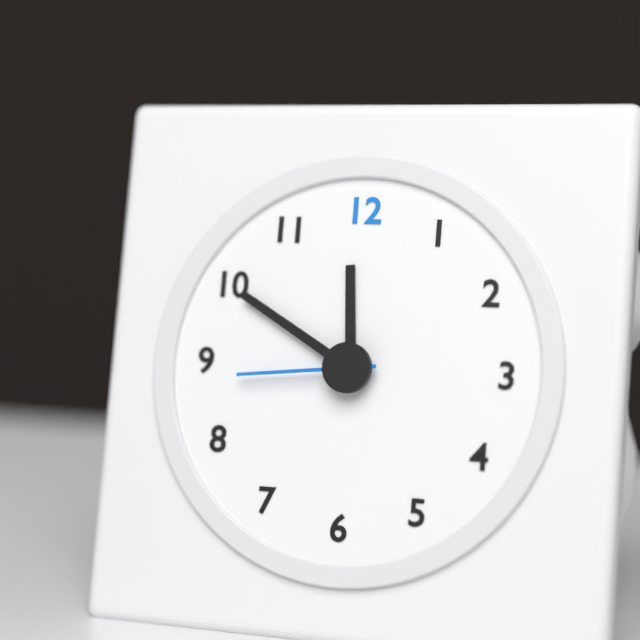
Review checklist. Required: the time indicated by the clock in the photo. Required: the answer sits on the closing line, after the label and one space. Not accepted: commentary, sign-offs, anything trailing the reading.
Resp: 11:50:44
